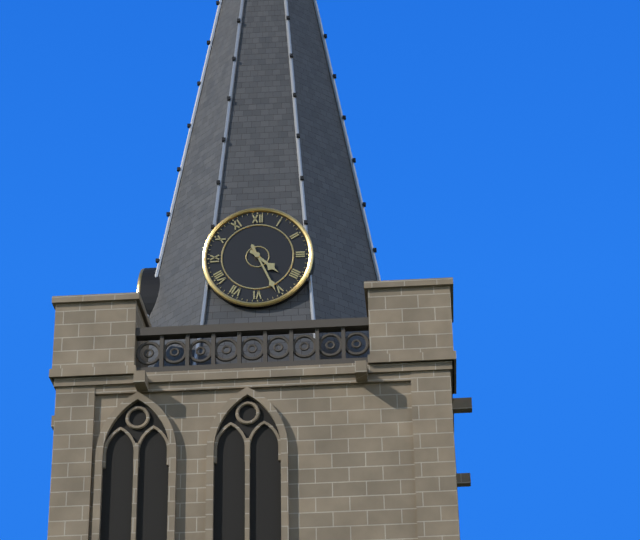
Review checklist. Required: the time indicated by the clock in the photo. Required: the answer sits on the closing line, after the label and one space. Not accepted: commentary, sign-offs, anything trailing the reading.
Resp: 4:26
